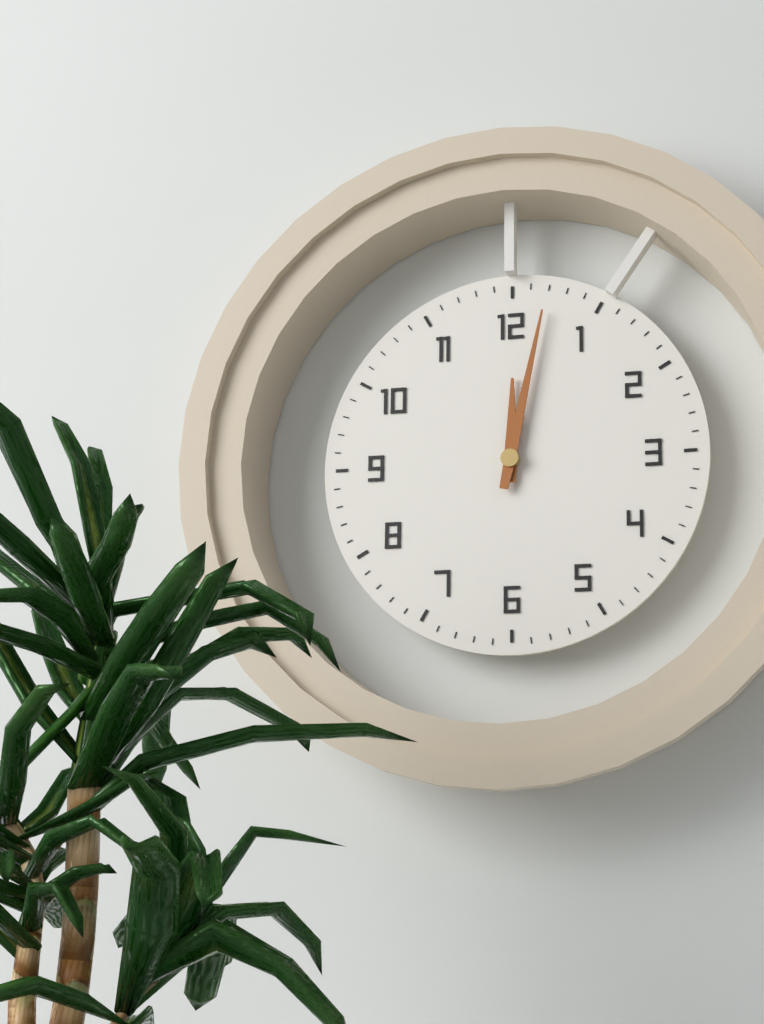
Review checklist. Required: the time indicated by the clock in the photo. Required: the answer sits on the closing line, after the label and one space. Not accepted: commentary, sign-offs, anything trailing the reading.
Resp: 12:02
